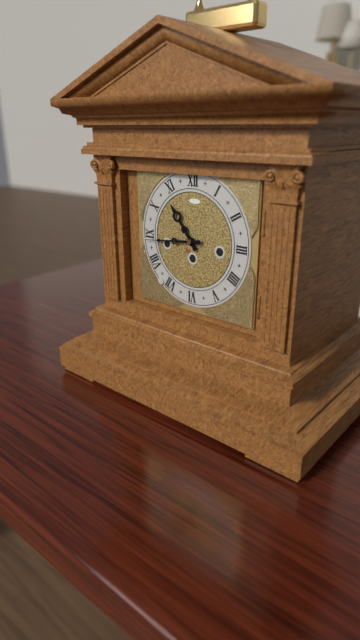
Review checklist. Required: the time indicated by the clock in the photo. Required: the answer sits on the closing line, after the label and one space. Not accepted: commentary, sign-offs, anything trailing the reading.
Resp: 10:44
